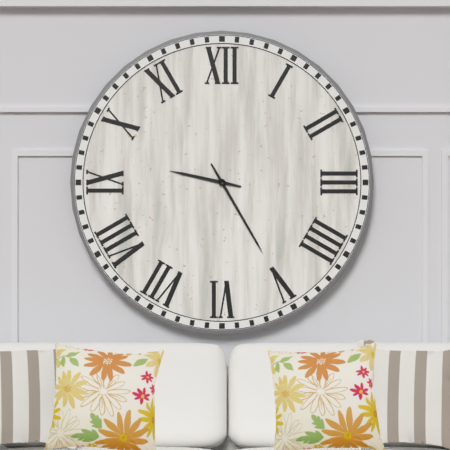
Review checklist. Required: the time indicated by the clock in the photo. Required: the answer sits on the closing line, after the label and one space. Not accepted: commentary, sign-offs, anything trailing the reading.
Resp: 9:25
